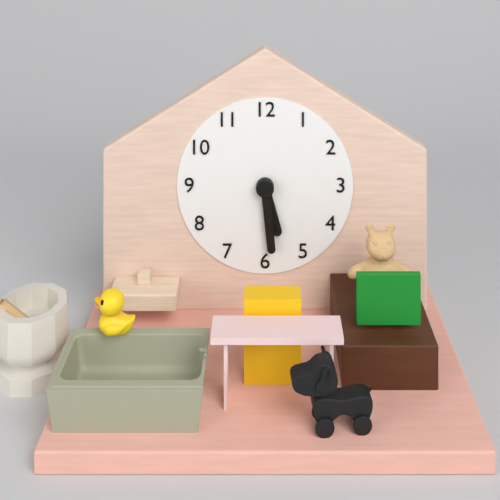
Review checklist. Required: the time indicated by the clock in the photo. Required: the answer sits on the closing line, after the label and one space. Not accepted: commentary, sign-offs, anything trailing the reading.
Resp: 5:29
